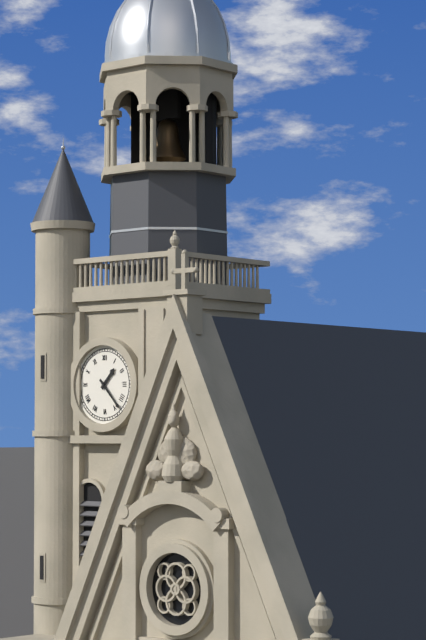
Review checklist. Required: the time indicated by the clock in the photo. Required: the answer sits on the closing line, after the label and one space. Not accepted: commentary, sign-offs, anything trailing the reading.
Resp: 1:23
